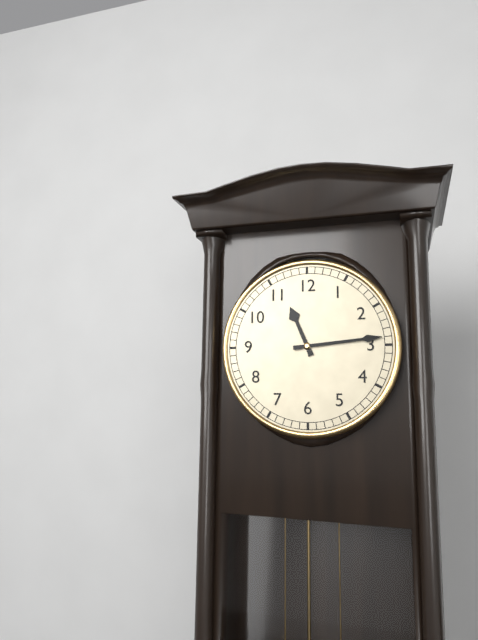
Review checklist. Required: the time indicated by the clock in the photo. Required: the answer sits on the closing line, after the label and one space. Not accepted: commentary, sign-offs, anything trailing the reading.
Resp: 11:14
